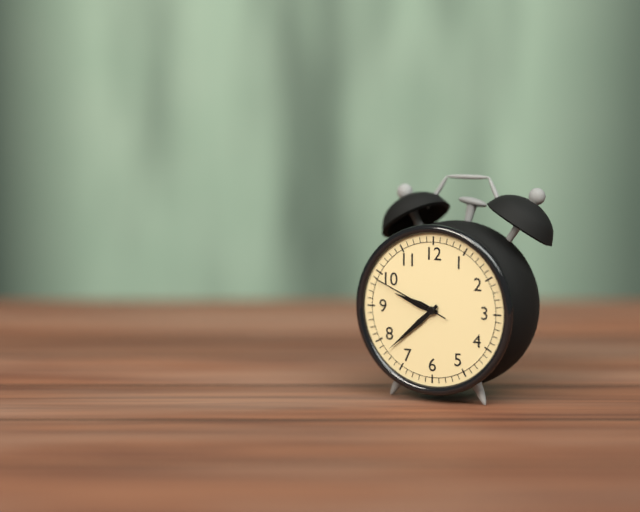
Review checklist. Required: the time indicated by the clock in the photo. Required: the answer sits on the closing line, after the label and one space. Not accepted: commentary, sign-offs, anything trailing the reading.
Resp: 9:38:49
